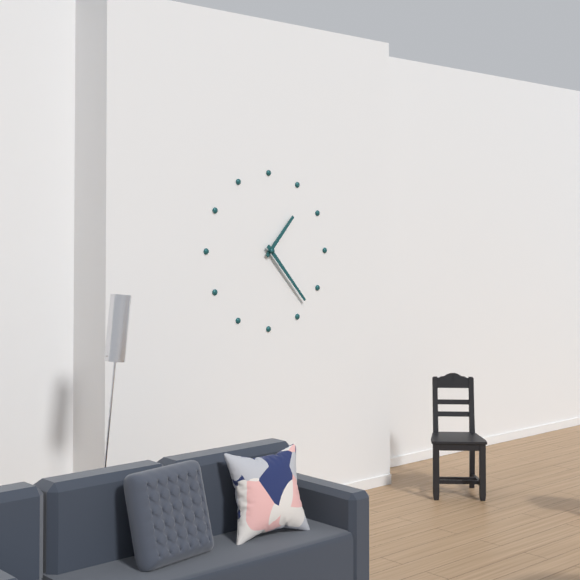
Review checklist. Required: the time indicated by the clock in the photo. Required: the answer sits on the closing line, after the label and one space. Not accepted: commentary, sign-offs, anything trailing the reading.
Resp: 1:23
